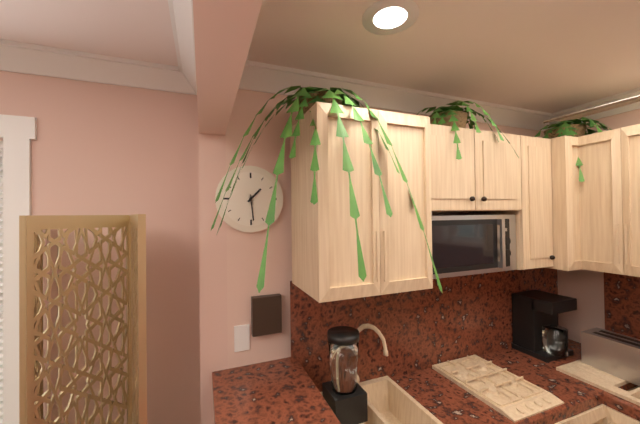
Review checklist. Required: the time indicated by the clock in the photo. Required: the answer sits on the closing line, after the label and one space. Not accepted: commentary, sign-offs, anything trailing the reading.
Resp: 1:29
